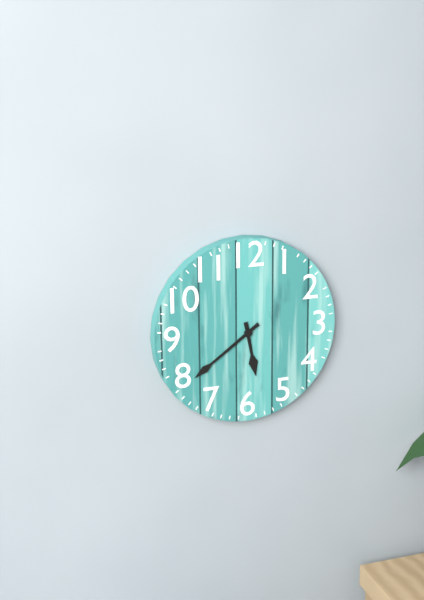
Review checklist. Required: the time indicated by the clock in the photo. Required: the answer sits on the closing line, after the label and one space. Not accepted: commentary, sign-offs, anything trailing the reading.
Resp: 5:39
